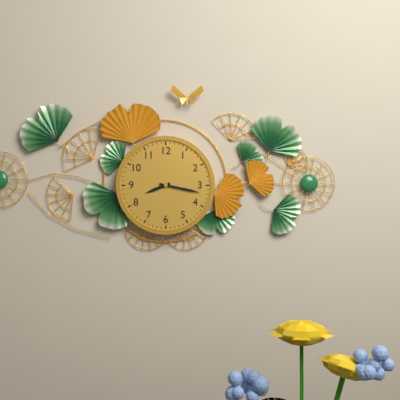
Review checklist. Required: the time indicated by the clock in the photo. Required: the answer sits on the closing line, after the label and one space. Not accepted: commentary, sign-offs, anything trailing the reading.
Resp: 8:17
